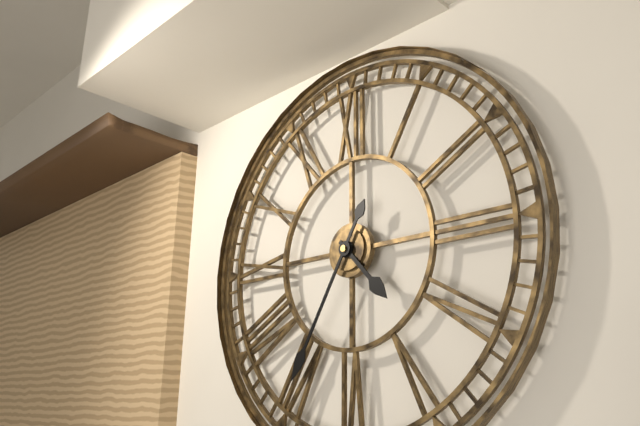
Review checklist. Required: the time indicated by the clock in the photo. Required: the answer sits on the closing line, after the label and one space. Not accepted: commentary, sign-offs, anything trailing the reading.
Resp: 4:35
